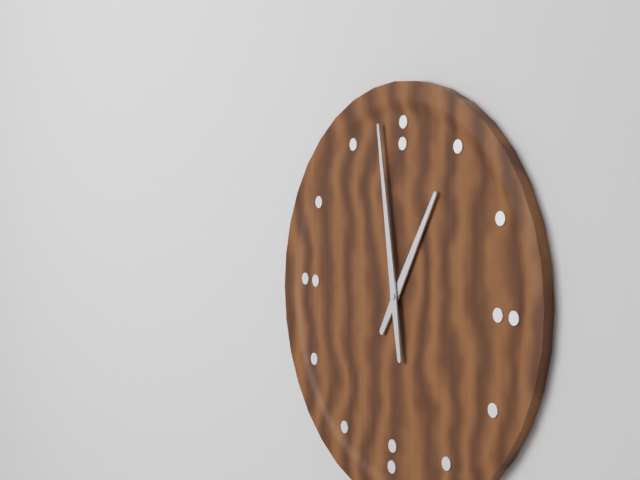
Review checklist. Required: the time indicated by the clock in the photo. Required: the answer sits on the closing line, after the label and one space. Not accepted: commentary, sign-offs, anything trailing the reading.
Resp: 12:58
